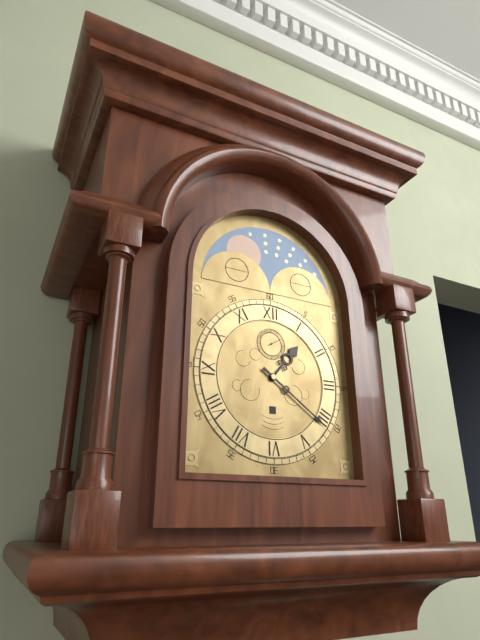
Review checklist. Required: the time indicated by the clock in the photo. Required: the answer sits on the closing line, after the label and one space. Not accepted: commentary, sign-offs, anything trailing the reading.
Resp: 1:21
